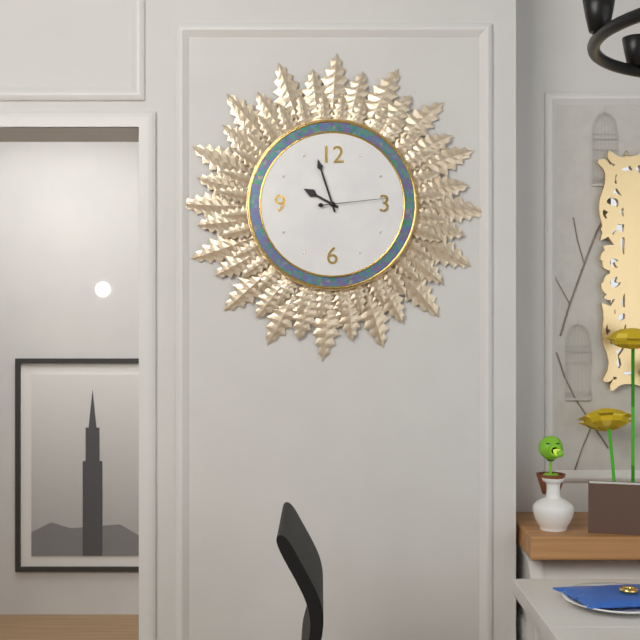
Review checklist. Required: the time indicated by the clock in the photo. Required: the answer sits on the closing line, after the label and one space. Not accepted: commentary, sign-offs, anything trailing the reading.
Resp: 9:57:14
